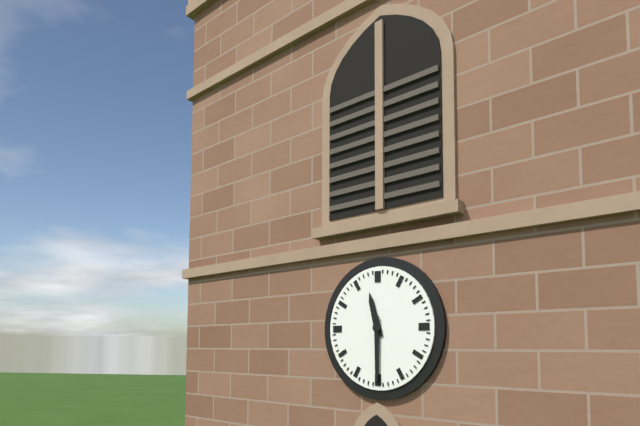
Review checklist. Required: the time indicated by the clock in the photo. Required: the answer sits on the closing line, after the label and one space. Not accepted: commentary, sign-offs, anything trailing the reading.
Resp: 11:30
